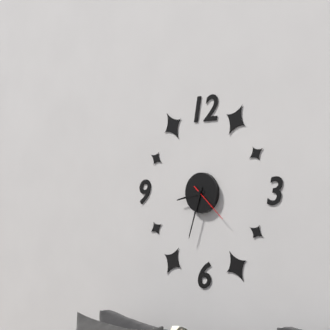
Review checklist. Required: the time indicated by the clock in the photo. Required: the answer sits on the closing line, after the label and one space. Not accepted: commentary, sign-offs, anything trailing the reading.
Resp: 8:33
